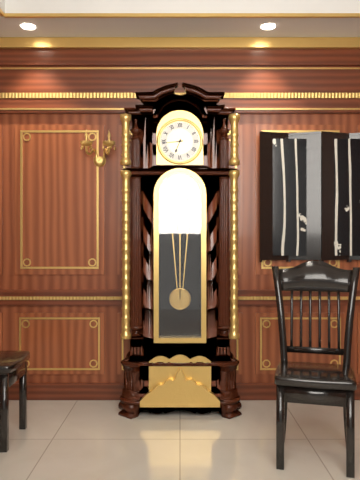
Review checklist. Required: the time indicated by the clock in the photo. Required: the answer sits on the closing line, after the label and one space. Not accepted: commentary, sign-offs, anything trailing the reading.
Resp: 6:44
